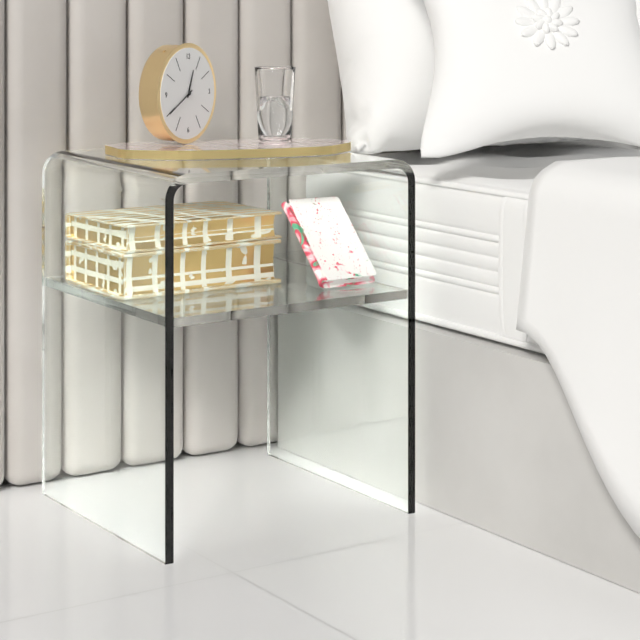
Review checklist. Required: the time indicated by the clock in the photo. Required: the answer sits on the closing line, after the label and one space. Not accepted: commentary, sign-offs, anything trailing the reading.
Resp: 12:40
